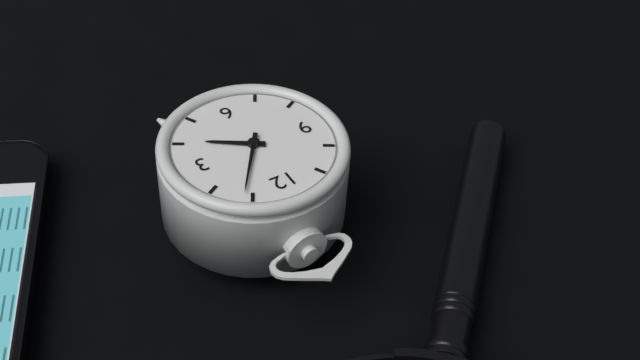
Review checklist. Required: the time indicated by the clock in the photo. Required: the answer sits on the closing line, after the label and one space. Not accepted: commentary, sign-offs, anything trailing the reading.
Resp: 4:06
